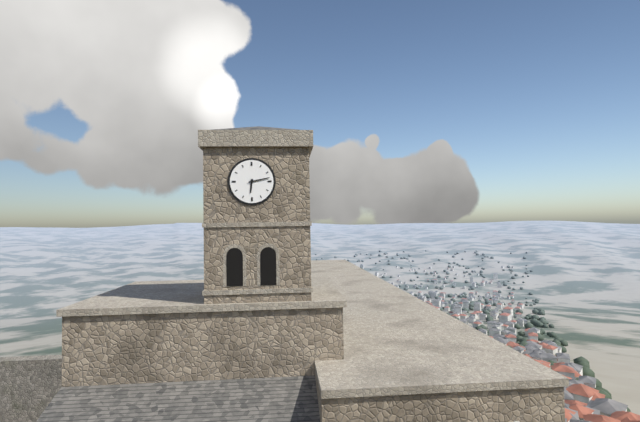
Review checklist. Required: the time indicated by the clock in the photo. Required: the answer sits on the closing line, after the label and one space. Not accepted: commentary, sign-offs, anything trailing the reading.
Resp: 6:13
